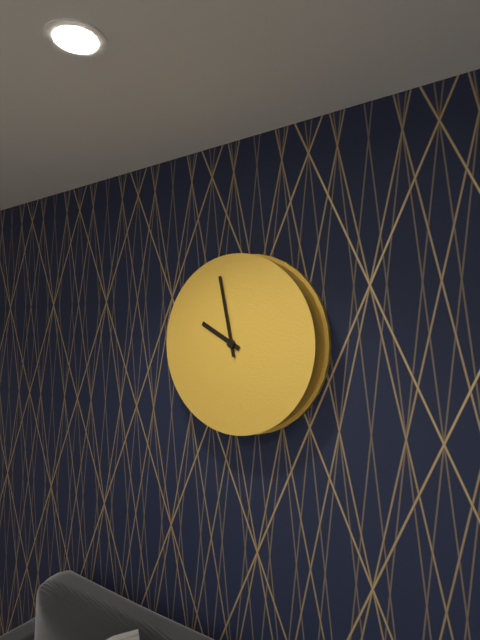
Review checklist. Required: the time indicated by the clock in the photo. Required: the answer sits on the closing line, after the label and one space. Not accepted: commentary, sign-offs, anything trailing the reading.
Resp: 9:58
